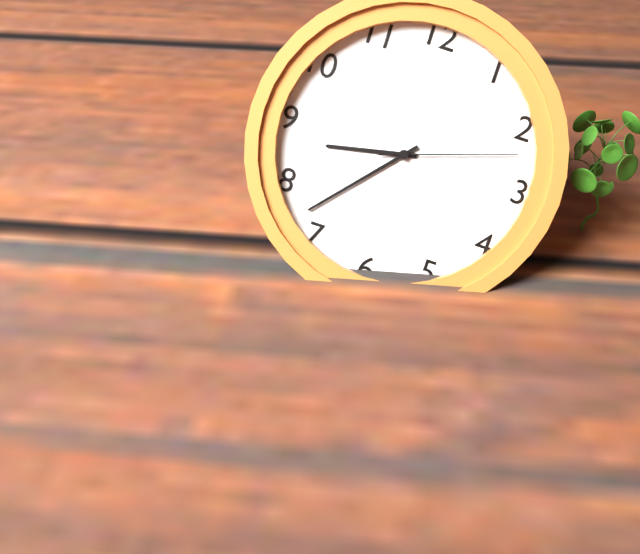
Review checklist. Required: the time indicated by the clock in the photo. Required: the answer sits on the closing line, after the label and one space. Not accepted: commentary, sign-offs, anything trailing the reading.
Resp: 8:37:12
